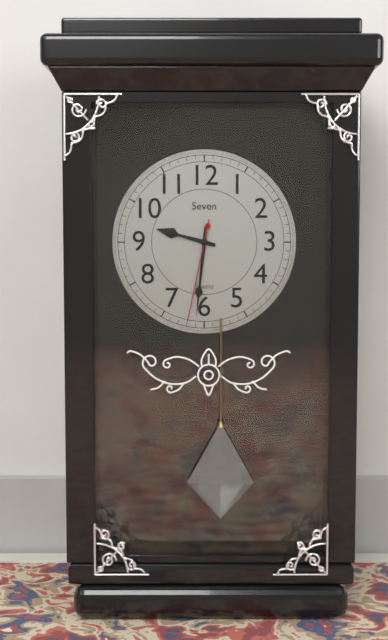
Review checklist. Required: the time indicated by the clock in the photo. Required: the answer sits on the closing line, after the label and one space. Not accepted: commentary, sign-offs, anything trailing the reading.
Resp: 9:31:32
